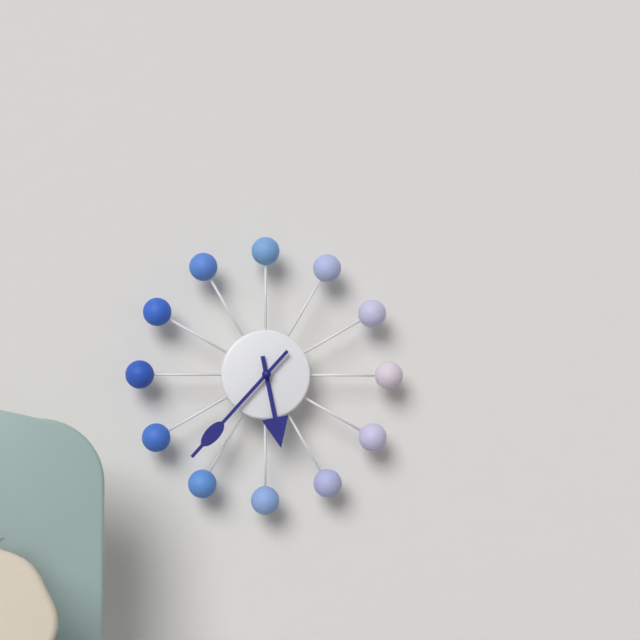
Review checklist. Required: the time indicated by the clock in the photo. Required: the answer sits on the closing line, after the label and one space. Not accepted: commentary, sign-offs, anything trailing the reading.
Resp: 5:37
